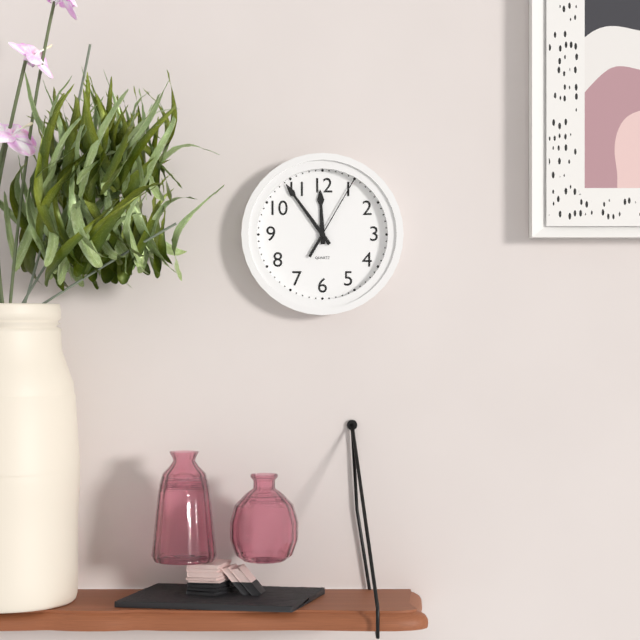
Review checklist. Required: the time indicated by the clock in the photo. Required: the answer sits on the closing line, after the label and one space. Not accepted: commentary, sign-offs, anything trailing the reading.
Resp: 11:54:05
